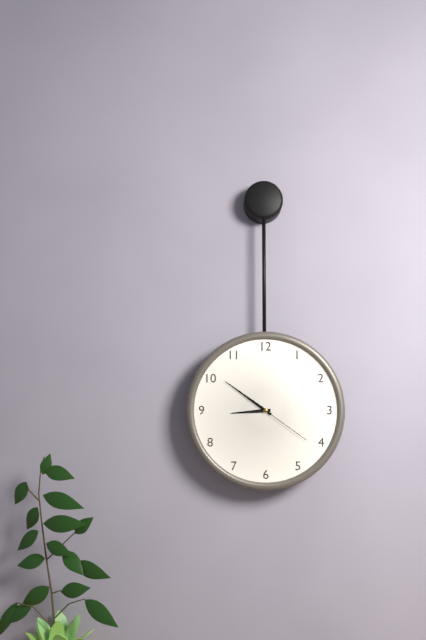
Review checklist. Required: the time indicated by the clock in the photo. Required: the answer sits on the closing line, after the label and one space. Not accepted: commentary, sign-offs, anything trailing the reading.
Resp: 8:51:21
